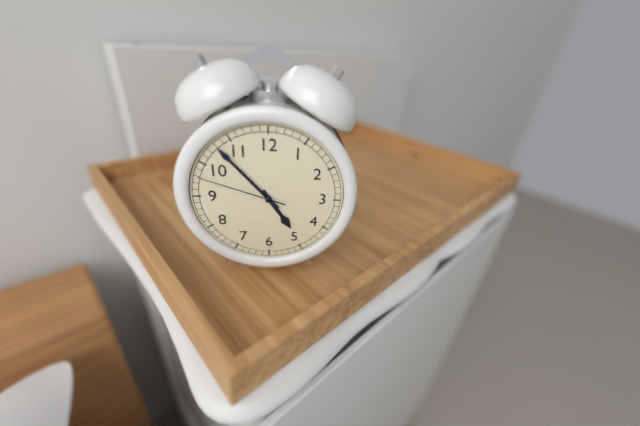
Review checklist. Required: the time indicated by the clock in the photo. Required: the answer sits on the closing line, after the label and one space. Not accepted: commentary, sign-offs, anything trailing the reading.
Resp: 4:53:48
